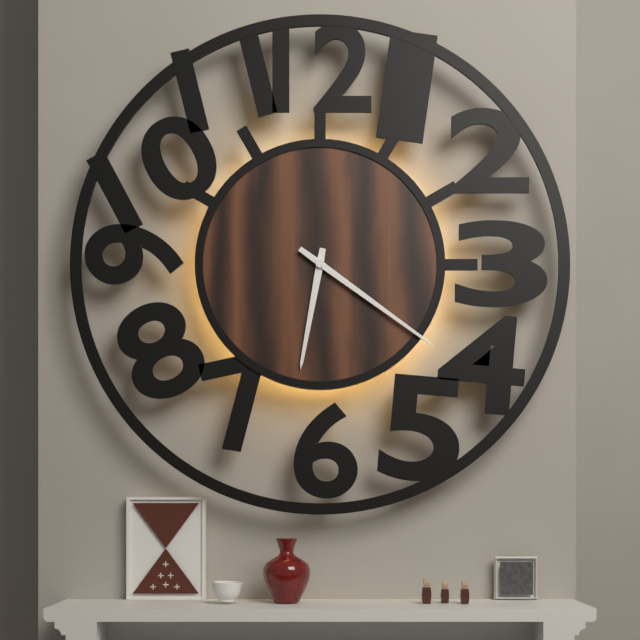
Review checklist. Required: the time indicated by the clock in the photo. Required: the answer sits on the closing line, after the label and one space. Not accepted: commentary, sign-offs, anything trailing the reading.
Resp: 6:21
